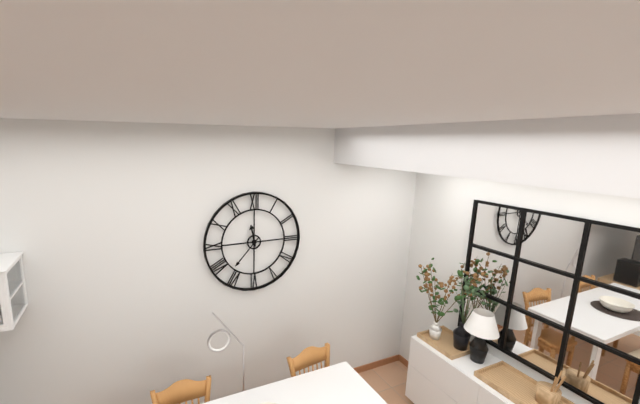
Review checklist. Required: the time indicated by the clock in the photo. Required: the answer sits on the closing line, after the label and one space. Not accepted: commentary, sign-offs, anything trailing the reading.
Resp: 11:37
